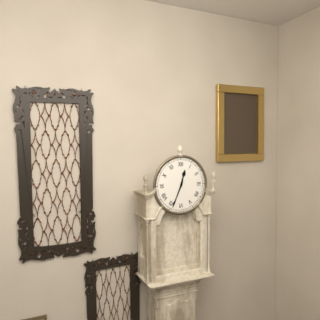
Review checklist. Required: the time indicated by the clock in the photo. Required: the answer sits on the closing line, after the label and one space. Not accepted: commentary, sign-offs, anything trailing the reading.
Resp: 12:34
